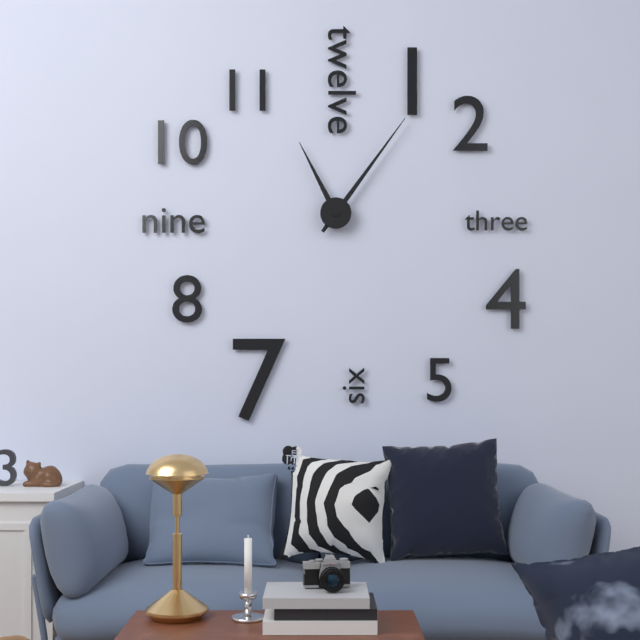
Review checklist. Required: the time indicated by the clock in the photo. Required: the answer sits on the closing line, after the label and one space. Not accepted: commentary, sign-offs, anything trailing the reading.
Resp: 11:06
